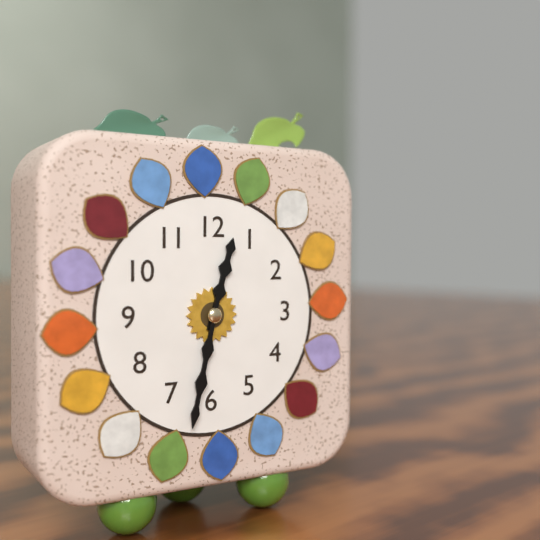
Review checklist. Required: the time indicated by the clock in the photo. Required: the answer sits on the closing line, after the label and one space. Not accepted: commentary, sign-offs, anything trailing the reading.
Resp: 12:32
